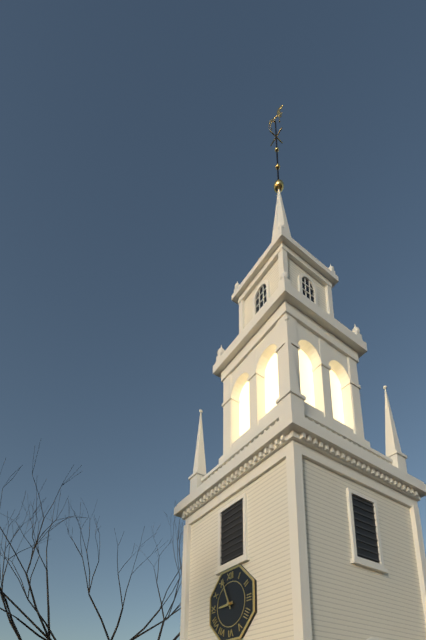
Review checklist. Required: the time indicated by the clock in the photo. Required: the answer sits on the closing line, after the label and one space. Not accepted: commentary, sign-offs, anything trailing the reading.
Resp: 8:56
